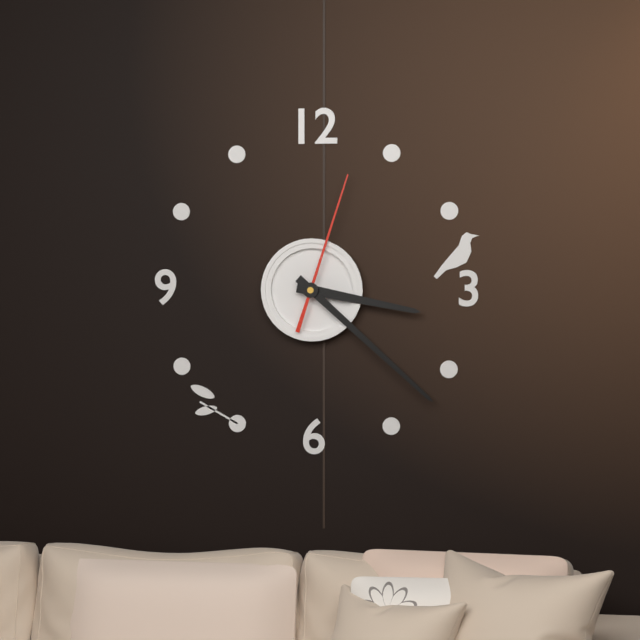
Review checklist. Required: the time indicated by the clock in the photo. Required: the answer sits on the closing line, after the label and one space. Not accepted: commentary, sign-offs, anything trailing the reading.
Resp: 3:22:03
